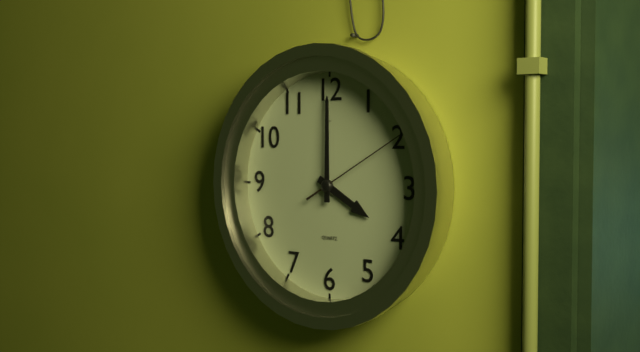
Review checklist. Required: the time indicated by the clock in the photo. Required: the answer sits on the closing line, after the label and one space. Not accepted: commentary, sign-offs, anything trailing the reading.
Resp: 4:00:10
